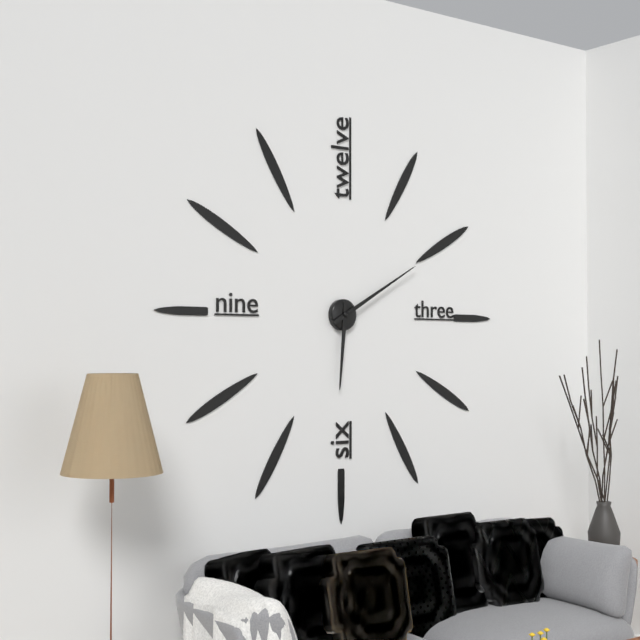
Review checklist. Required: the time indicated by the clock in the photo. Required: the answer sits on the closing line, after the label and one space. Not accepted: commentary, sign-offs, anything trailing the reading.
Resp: 6:10
